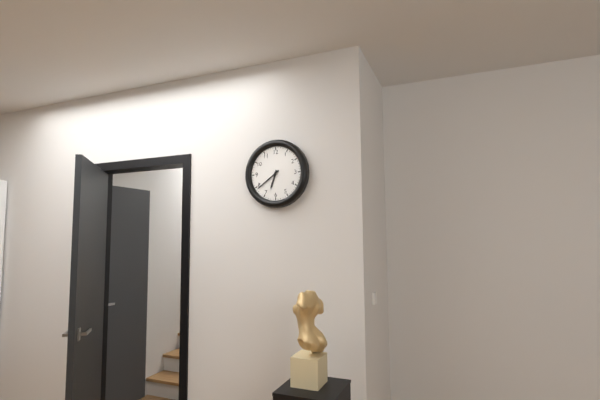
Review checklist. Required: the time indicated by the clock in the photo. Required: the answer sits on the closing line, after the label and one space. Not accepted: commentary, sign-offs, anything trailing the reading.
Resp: 6:39
